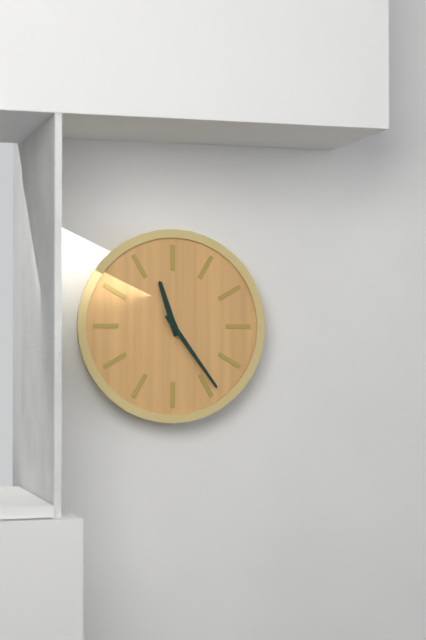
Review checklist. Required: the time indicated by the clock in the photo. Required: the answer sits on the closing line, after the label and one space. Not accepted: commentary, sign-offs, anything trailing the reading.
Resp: 11:24
